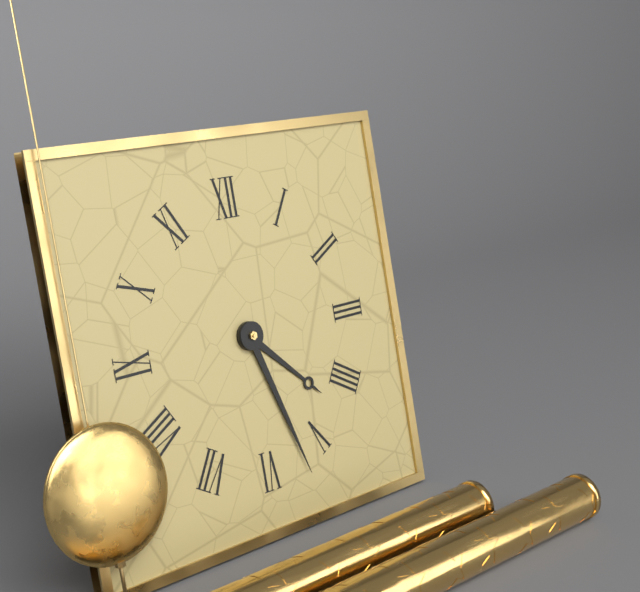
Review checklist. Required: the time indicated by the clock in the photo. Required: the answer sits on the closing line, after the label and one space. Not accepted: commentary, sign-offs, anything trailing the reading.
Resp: 4:27
